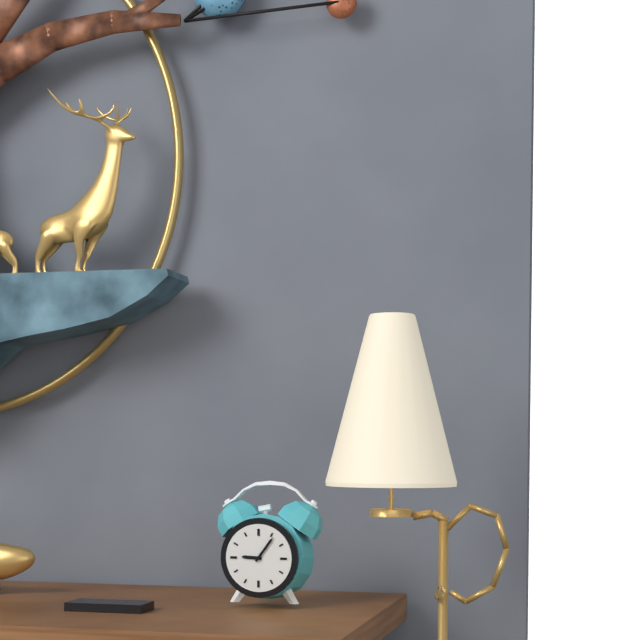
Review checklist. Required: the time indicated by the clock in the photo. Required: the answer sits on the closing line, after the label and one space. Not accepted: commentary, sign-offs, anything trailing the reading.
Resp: 9:06
